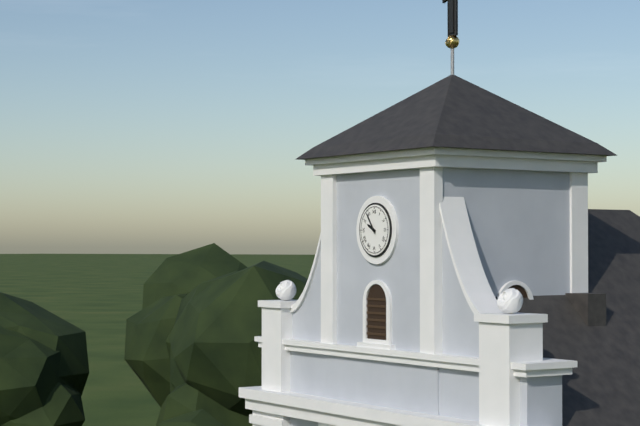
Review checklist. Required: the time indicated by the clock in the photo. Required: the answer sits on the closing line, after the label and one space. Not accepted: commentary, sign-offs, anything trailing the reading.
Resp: 9:54
